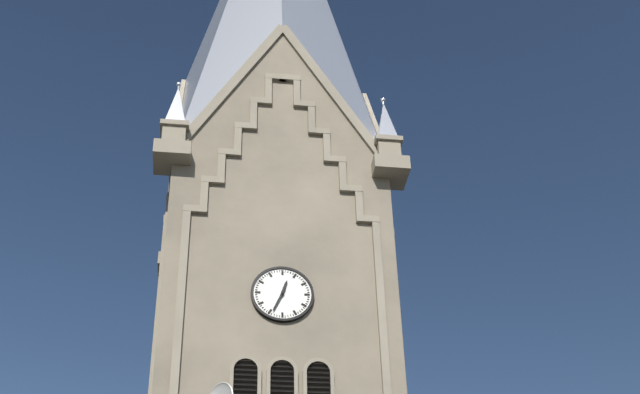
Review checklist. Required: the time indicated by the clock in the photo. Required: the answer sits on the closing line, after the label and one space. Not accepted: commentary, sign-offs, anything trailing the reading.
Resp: 12:34
